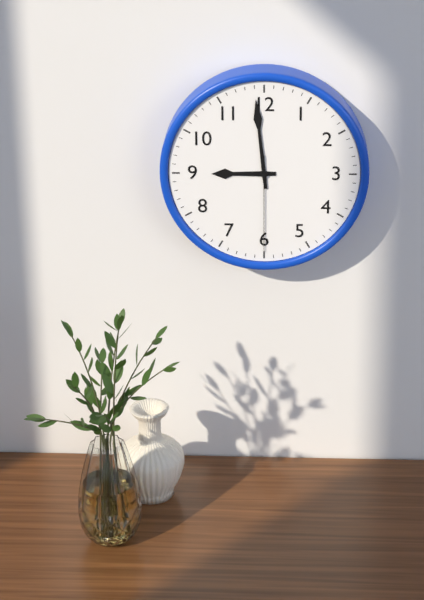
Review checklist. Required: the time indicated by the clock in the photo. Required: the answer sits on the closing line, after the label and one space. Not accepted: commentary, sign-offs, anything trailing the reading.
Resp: 8:59:30
